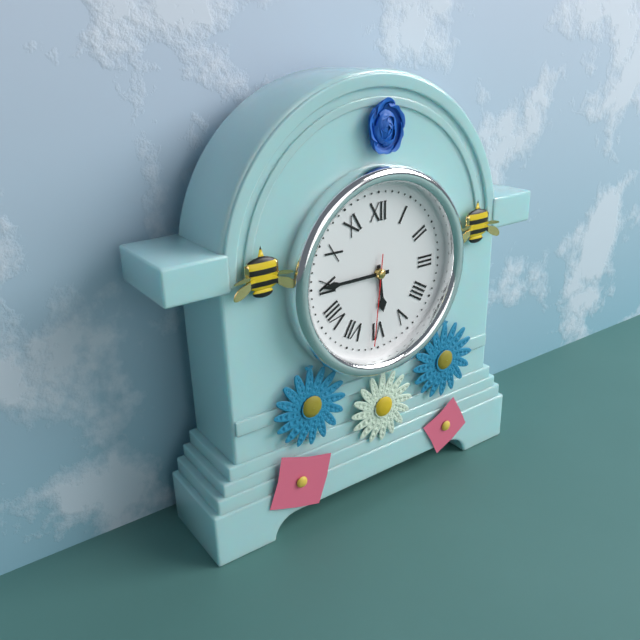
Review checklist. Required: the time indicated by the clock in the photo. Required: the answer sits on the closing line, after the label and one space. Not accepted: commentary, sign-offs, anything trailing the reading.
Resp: 5:45:31
